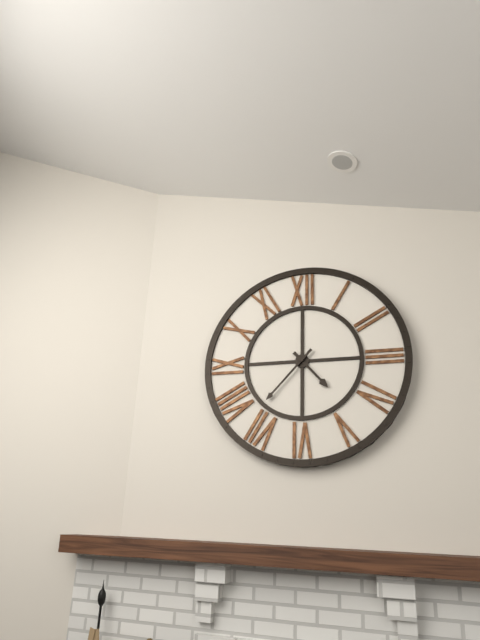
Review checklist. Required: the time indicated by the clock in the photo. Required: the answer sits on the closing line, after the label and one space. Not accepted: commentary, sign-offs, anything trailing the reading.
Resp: 4:37
